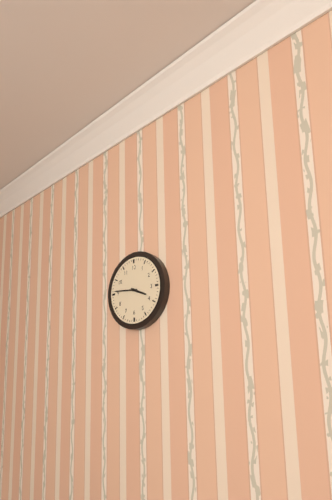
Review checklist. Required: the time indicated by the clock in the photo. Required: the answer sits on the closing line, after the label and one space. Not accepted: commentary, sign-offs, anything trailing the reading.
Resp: 3:46
